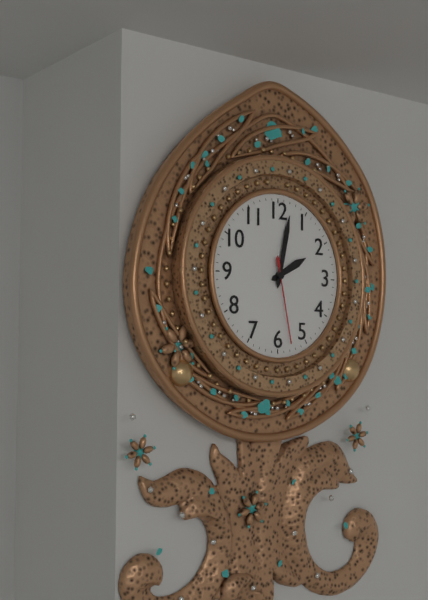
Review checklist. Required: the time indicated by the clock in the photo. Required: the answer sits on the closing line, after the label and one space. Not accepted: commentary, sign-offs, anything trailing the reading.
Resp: 2:02:28
